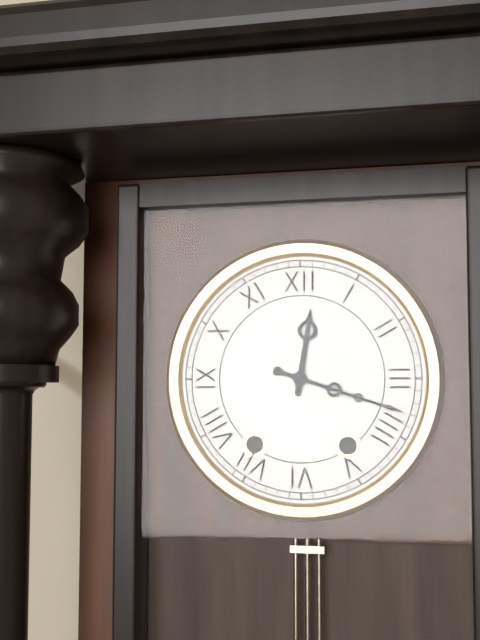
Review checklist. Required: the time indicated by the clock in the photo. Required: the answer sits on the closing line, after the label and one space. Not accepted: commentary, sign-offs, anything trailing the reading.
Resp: 12:18
